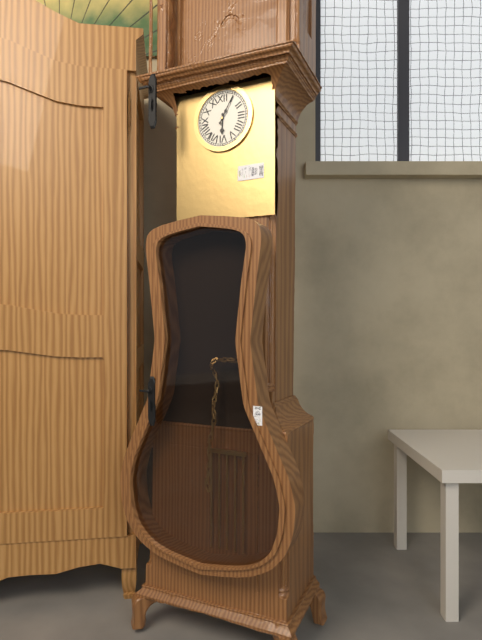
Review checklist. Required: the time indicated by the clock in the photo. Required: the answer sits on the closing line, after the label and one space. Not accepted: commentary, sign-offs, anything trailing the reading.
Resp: 6:05
